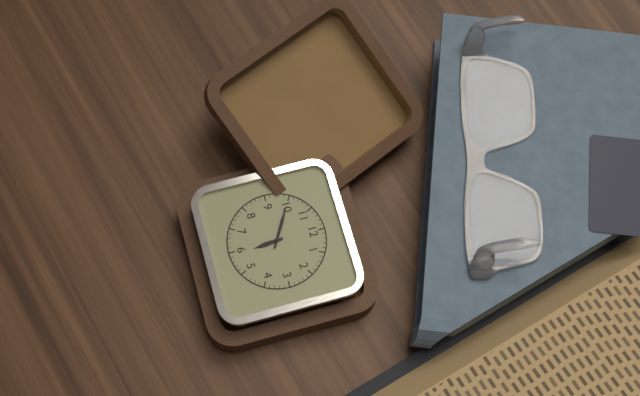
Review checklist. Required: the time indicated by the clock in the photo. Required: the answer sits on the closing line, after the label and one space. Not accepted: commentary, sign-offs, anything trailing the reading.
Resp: 5:50
